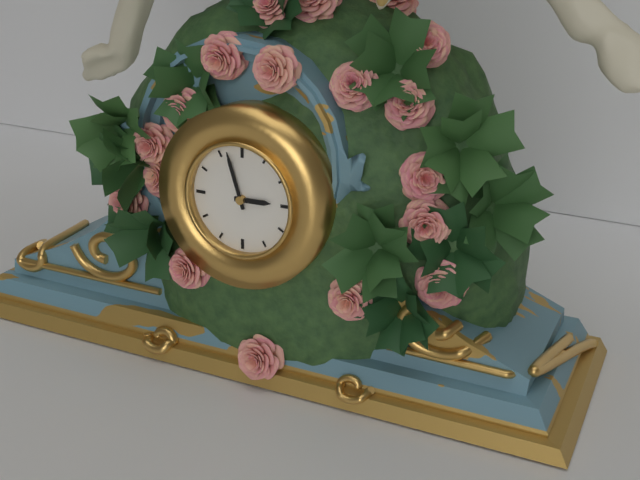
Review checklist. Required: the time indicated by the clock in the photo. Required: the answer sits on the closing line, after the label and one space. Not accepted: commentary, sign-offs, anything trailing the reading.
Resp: 2:57
